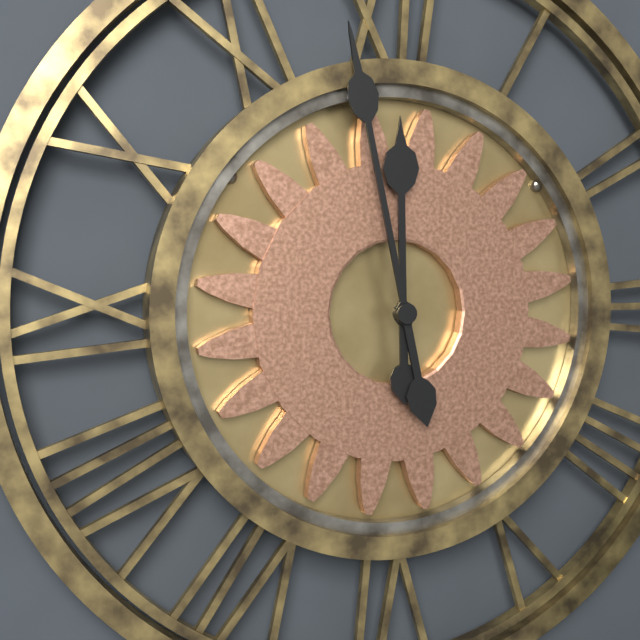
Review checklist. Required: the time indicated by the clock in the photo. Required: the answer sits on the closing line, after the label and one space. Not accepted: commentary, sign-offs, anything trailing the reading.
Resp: 11:58
